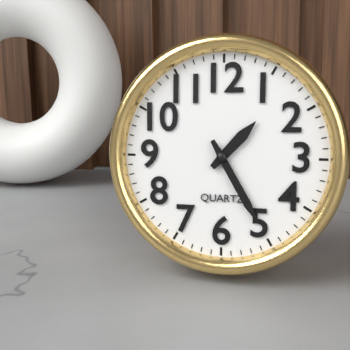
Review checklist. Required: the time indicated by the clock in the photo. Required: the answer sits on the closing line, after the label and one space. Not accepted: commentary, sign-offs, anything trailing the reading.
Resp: 1:25
